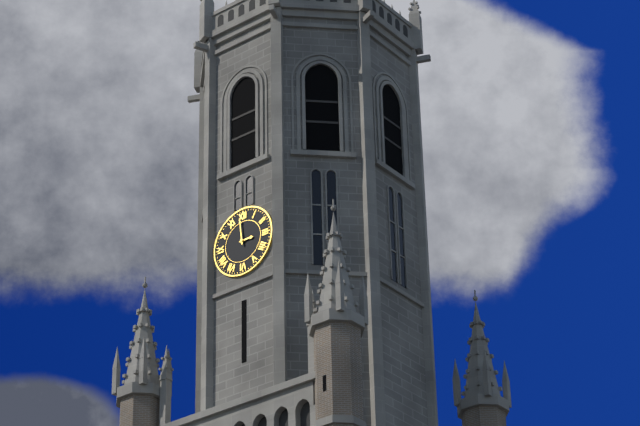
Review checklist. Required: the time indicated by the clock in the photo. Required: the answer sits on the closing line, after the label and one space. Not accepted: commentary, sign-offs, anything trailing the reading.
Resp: 2:59
